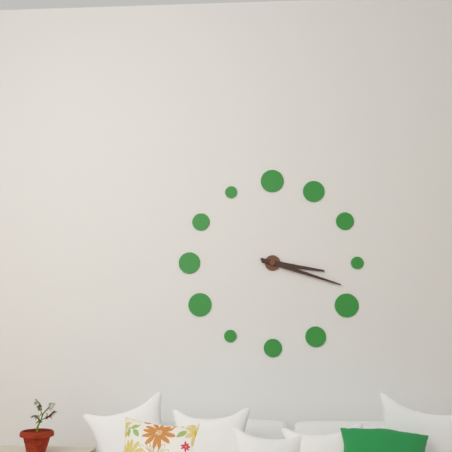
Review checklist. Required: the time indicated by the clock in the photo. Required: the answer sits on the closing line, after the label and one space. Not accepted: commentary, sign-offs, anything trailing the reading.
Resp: 3:18
